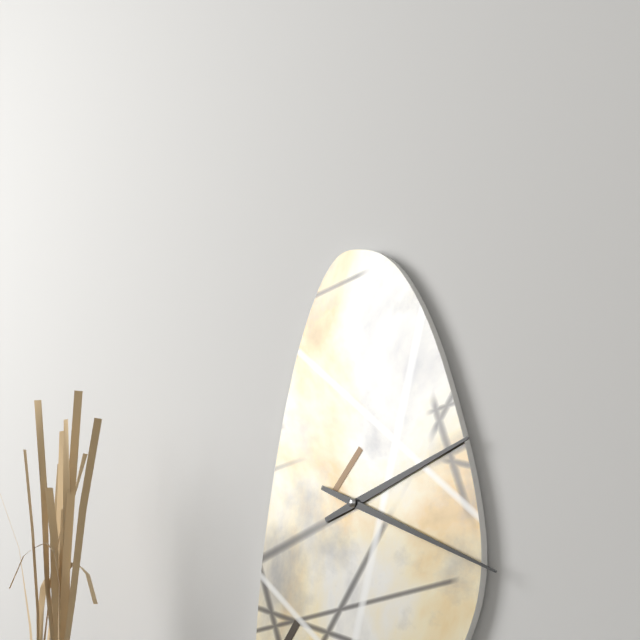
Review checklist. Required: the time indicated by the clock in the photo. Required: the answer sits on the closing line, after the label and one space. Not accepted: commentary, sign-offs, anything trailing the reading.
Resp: 2:19
